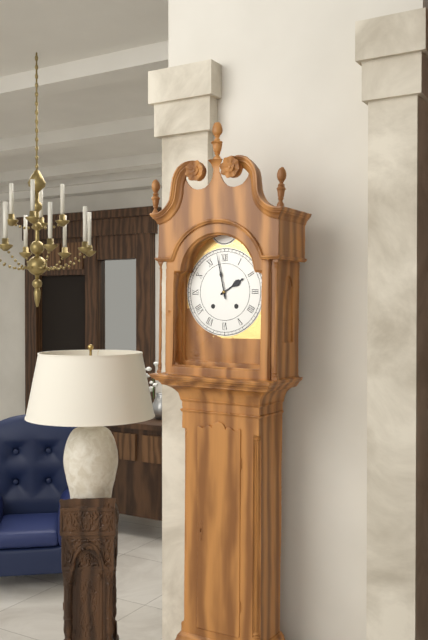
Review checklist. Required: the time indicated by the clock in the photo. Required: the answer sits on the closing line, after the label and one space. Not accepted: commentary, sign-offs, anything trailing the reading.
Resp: 1:58
